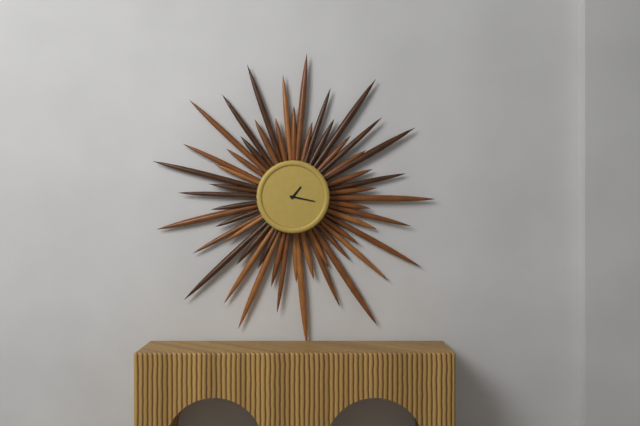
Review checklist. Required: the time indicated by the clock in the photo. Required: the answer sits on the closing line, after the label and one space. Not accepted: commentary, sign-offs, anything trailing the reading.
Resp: 1:17
